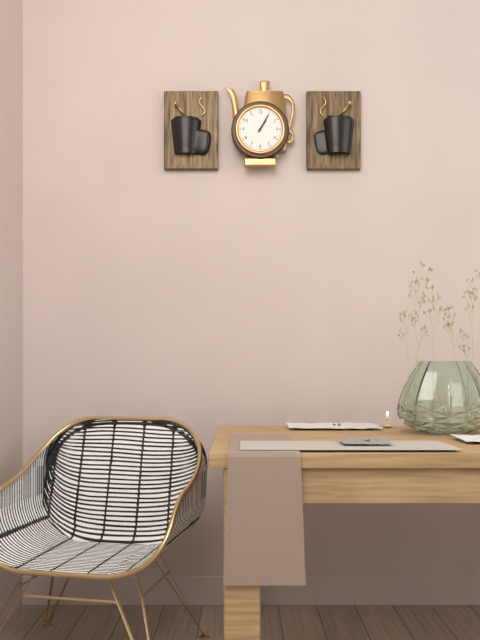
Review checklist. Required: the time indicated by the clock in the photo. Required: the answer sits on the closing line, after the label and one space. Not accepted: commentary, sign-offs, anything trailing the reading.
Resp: 1:05
